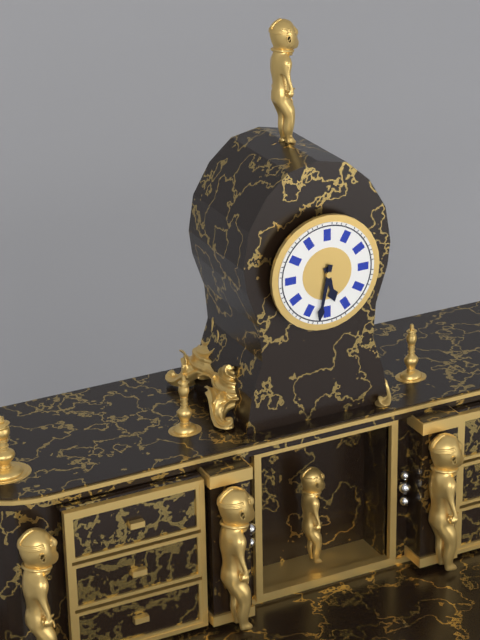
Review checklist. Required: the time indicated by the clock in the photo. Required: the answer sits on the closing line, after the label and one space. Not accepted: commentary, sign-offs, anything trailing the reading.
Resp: 5:32
